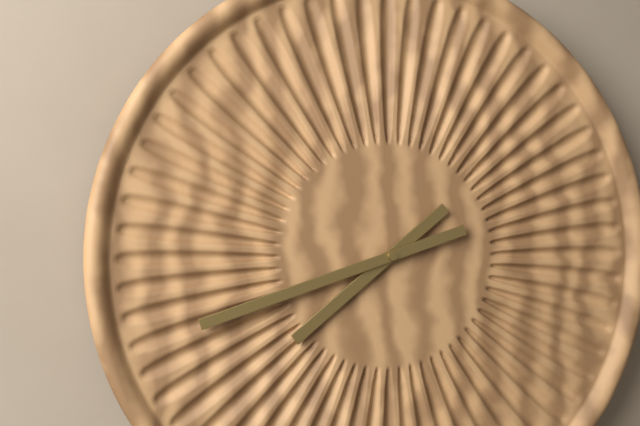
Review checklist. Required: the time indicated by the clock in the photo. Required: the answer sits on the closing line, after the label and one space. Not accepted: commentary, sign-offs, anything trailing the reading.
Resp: 7:42
